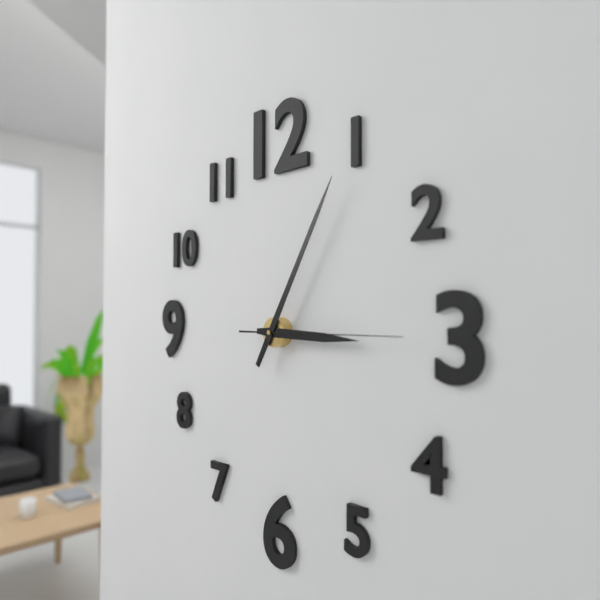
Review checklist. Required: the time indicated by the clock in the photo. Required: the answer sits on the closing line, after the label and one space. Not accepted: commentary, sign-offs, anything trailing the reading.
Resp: 3:05:15
